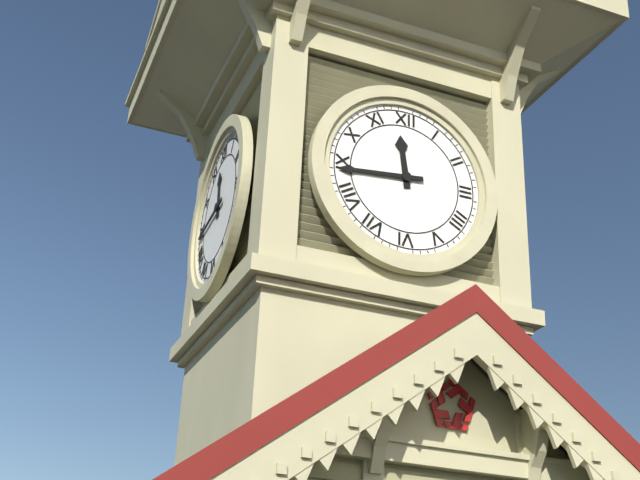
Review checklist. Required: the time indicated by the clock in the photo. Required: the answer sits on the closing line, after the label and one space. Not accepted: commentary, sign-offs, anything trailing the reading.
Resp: 11:44
